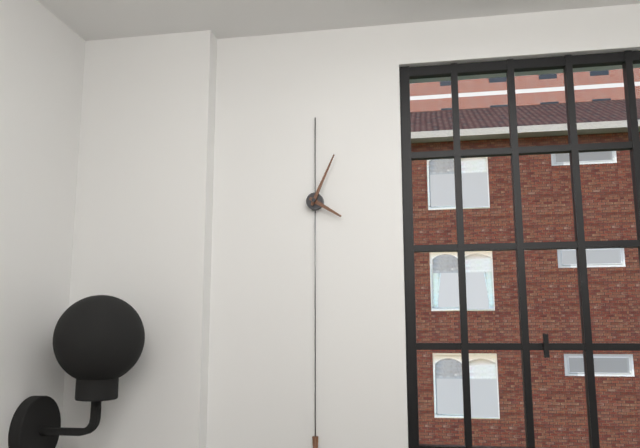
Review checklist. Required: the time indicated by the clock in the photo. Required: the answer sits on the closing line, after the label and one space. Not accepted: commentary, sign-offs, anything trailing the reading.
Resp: 4:04
